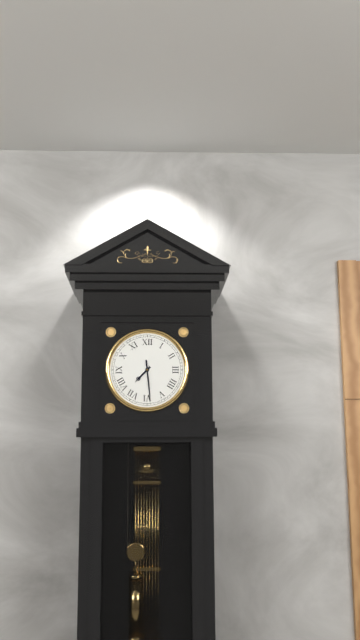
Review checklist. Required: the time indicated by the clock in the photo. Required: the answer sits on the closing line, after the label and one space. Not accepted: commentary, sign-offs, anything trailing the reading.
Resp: 7:29
